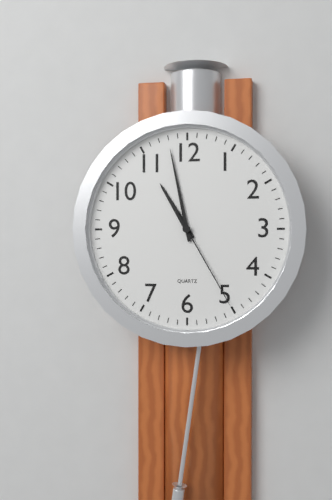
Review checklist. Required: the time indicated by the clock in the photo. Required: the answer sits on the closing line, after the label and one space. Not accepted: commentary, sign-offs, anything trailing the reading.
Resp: 10:58:25
